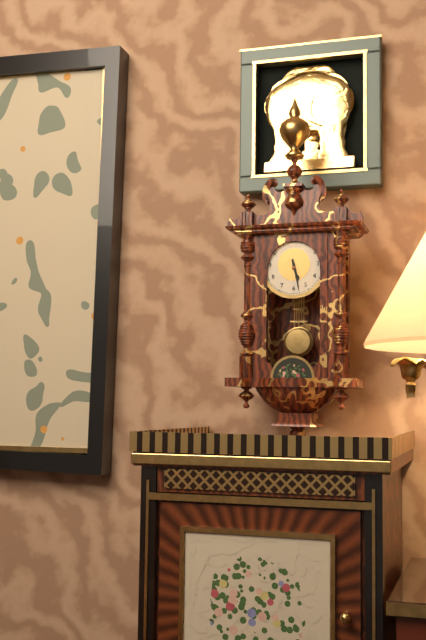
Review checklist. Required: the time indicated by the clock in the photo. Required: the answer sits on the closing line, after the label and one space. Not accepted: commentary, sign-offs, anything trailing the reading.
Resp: 5:28
